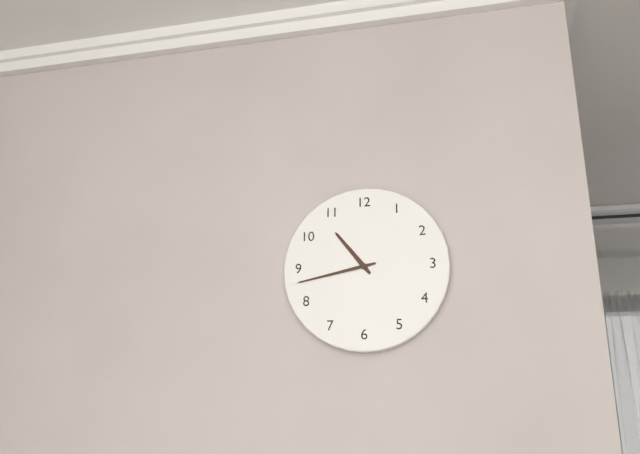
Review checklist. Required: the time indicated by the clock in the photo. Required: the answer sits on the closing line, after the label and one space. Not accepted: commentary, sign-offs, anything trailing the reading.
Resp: 10:43
